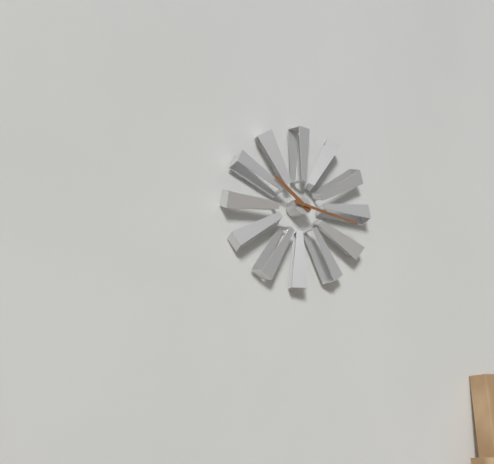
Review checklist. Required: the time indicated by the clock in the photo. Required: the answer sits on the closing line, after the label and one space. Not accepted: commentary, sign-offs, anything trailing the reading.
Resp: 10:17
